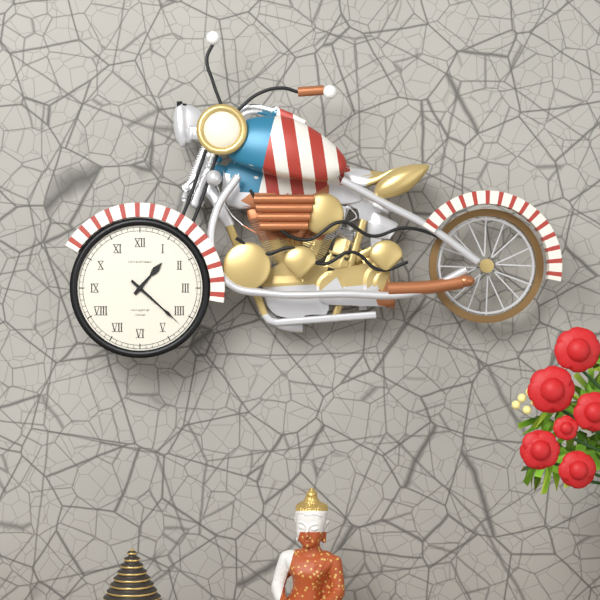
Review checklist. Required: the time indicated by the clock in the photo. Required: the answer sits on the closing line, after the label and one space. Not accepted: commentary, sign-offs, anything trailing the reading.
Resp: 1:22
